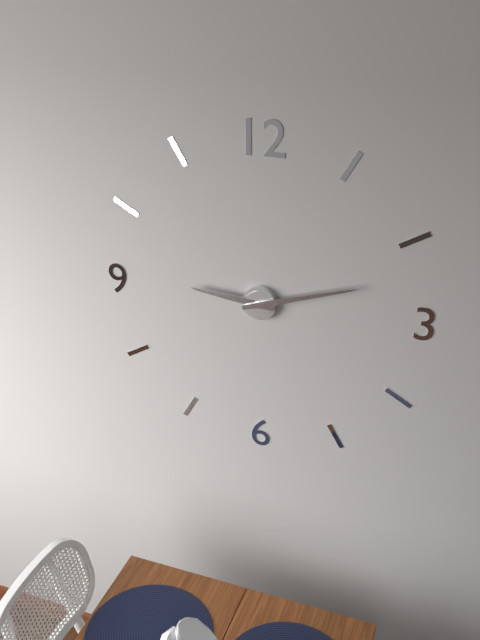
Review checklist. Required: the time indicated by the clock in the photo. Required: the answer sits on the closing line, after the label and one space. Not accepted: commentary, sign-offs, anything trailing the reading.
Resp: 9:12
